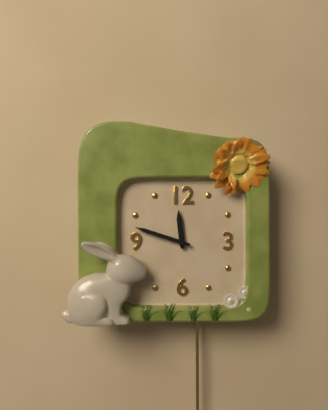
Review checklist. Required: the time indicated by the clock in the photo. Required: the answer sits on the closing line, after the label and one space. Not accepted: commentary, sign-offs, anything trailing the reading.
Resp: 11:48
